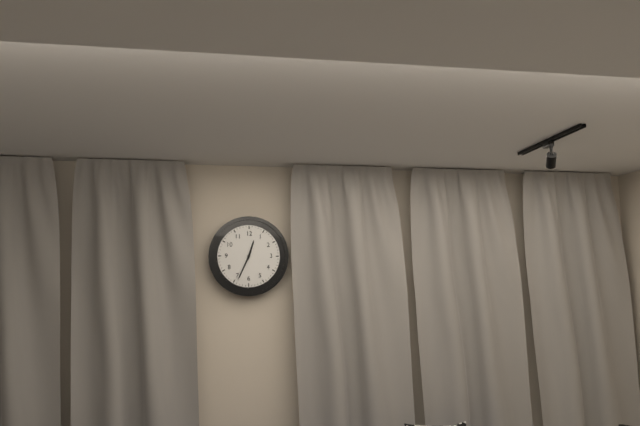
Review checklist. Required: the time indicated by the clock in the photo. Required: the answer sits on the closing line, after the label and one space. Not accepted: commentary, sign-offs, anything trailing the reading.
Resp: 12:34
